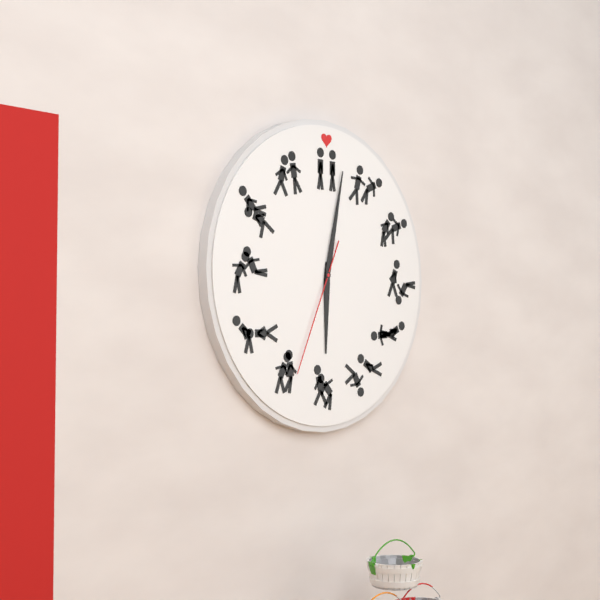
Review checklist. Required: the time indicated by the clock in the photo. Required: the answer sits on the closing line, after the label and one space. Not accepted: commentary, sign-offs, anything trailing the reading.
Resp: 6:02:34
